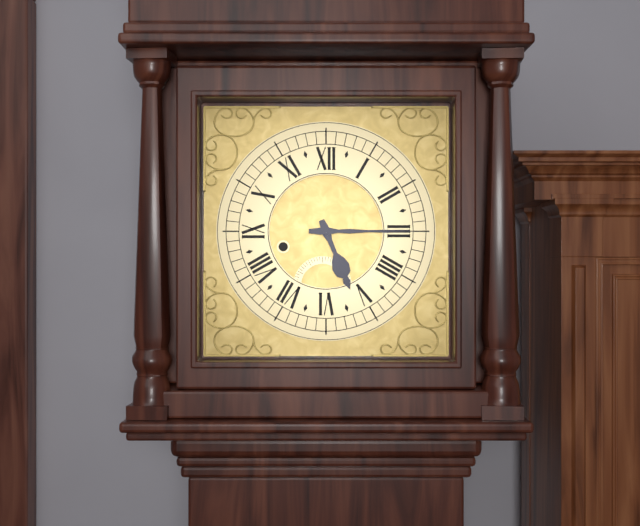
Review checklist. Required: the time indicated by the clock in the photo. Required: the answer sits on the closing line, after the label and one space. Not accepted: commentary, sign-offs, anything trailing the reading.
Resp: 5:15
